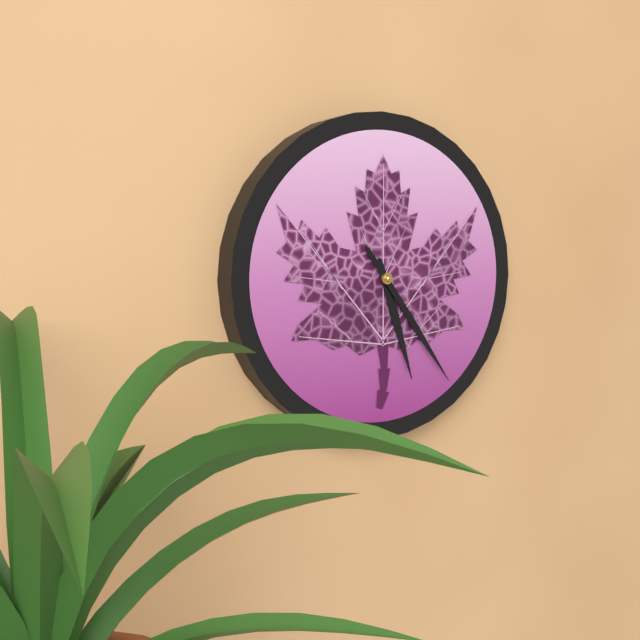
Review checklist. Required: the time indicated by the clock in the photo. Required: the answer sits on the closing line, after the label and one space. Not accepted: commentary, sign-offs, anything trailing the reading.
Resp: 5:24
